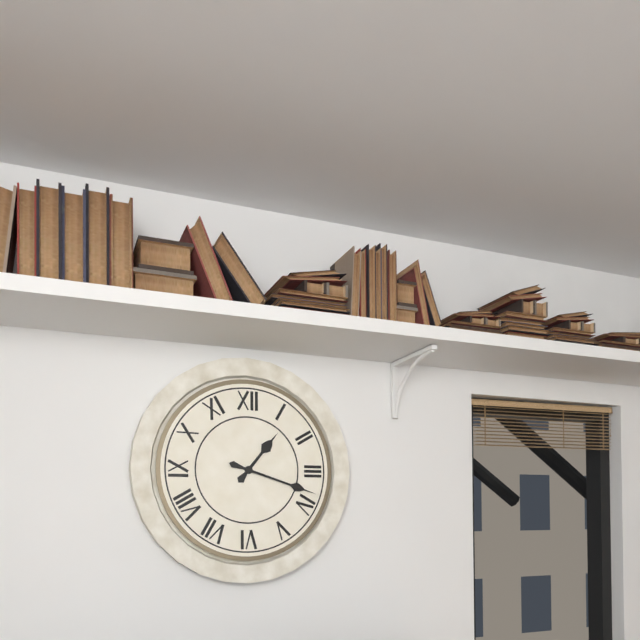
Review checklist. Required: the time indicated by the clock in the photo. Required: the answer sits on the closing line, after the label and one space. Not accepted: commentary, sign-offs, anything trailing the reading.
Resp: 1:18
